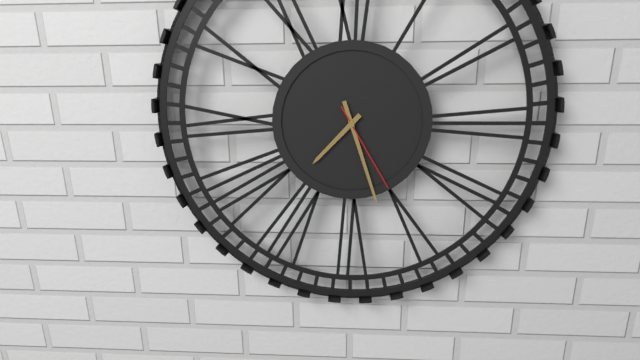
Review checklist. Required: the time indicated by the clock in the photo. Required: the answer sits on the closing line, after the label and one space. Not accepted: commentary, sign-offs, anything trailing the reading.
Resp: 7:27:25
